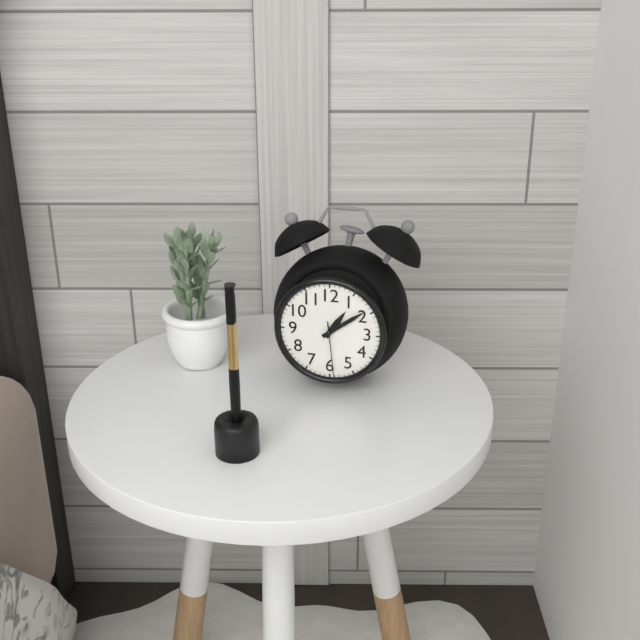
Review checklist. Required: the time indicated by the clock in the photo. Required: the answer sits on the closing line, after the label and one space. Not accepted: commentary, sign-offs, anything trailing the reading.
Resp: 1:09:29
